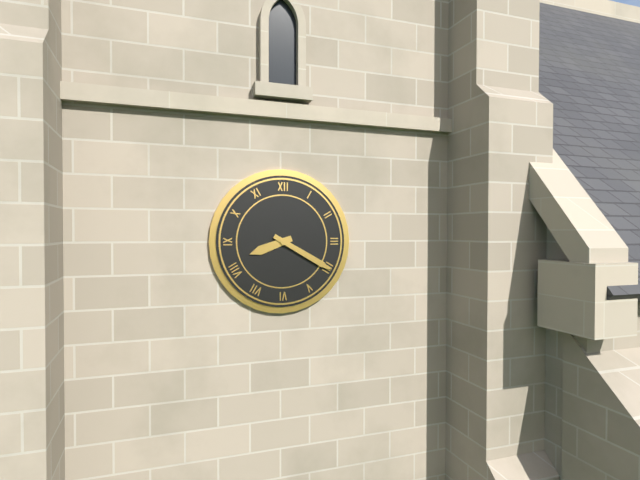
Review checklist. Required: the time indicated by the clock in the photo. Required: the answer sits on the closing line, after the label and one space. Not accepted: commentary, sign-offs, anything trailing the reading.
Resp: 8:20
